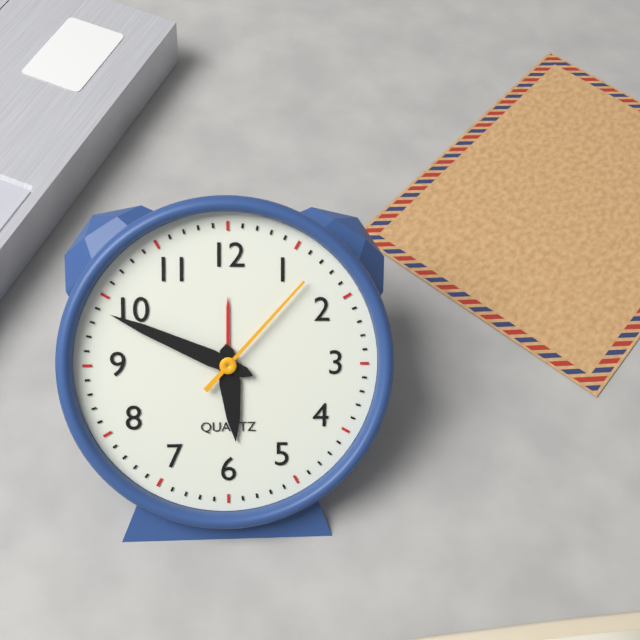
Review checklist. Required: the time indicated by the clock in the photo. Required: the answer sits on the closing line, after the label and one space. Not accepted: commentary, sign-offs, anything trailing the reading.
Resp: 5:49:07
